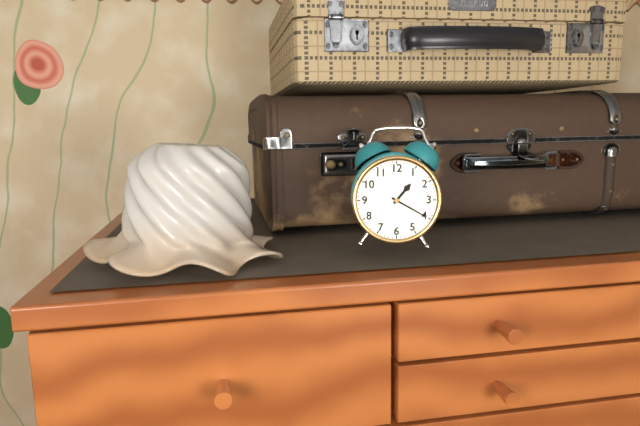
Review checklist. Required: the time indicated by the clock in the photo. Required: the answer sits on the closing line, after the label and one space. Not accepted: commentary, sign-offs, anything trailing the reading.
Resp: 1:20
